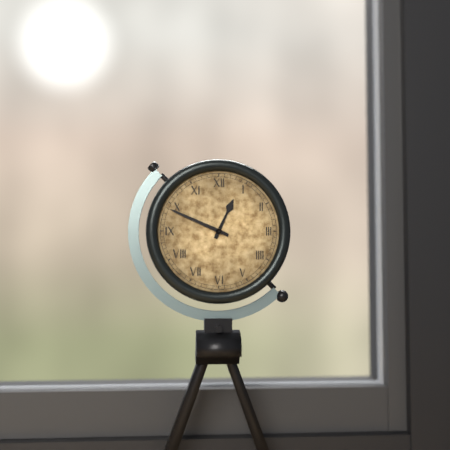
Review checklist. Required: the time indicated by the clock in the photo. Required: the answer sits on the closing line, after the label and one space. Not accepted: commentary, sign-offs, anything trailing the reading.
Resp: 12:49
